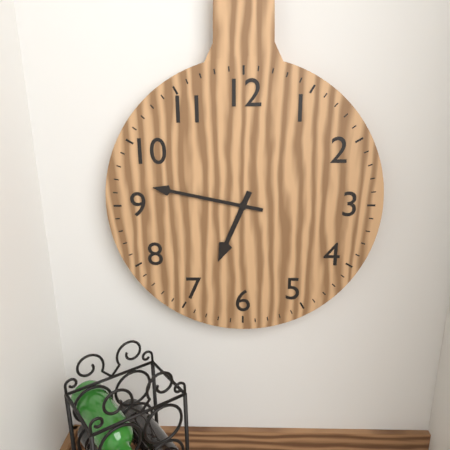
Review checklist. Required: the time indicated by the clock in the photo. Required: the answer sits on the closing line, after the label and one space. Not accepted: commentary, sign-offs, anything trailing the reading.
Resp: 6:47
